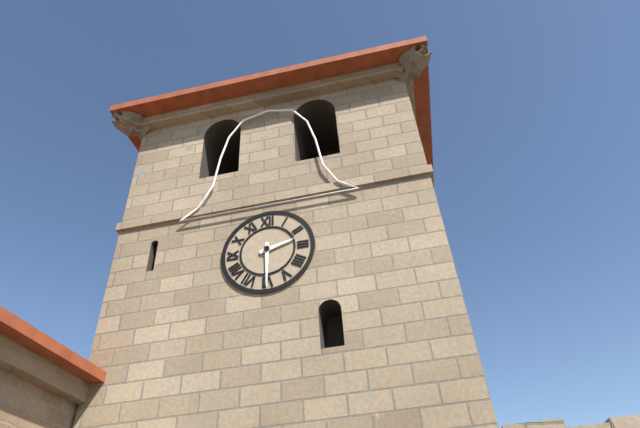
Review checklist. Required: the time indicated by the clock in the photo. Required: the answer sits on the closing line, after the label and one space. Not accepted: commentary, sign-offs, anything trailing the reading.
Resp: 2:30
